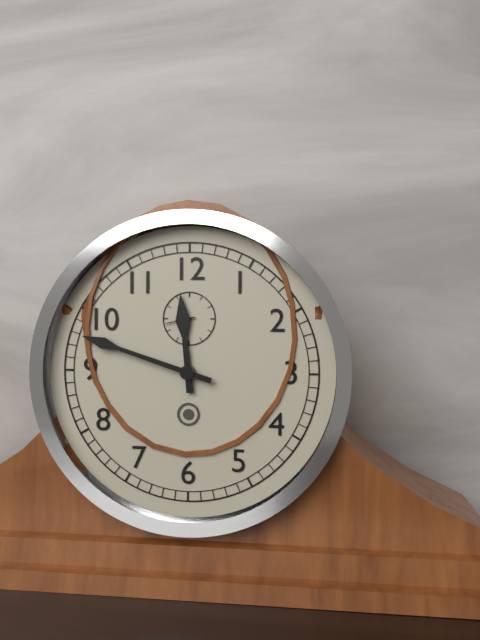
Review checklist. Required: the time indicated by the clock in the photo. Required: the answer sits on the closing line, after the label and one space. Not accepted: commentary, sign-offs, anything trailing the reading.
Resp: 11:48
